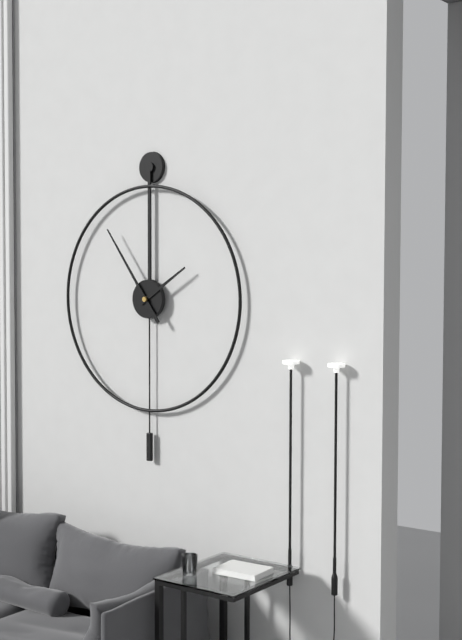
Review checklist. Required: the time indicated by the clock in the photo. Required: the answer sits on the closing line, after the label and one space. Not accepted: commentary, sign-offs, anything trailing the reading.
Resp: 1:54
